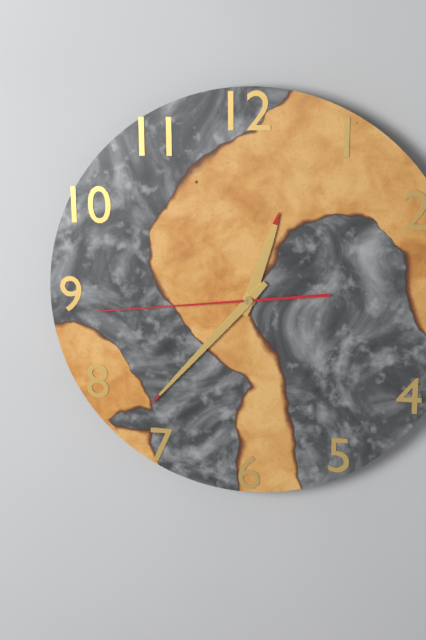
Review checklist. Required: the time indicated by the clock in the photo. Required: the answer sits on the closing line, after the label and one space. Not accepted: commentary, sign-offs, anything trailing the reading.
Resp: 12:37:44
